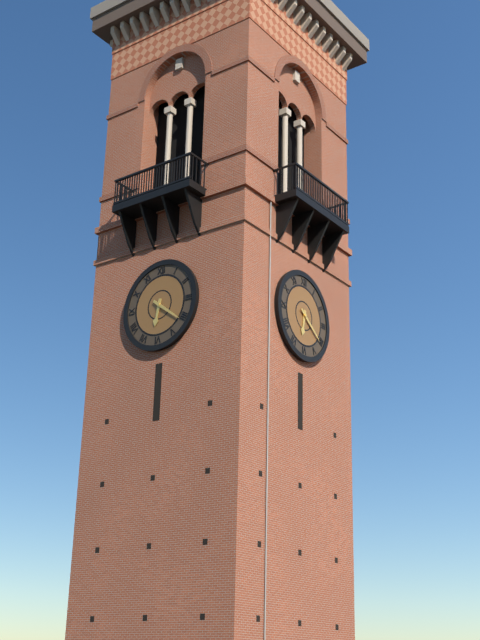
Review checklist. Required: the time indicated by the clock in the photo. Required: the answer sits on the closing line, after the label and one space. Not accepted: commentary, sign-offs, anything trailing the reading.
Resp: 6:21
